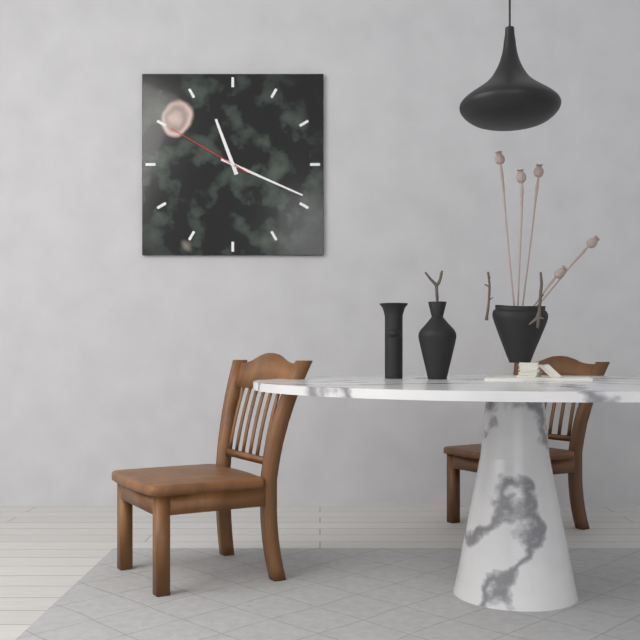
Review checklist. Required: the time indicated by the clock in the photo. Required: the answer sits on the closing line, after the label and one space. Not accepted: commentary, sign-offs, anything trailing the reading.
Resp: 11:19:50
